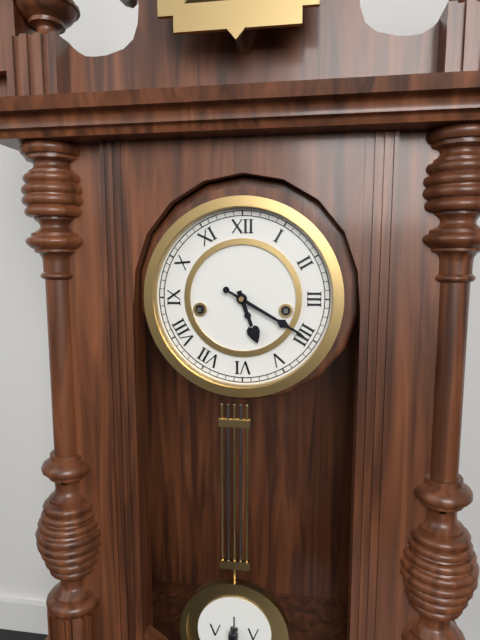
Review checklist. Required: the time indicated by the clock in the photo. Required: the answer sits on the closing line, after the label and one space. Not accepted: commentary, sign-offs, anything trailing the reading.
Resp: 5:20
